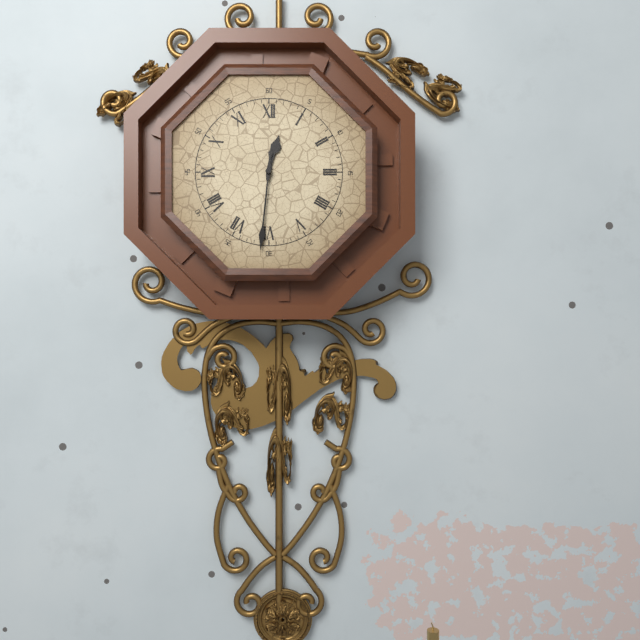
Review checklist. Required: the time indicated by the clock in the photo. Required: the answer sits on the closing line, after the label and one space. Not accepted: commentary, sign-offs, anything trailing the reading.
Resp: 12:31
